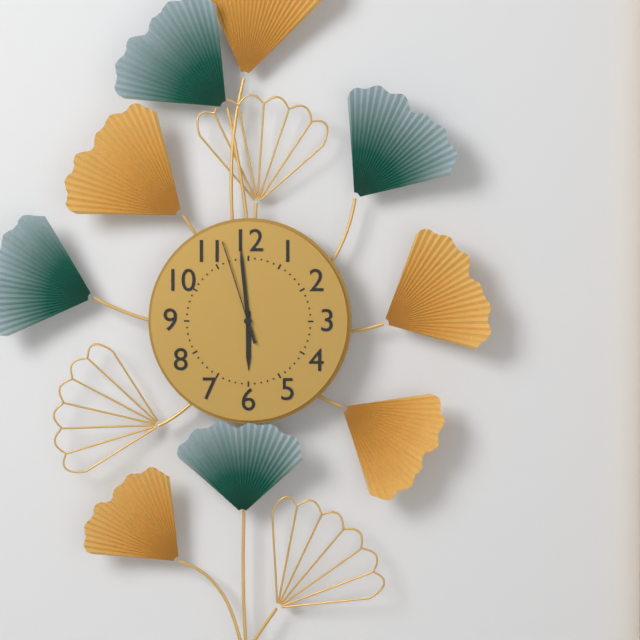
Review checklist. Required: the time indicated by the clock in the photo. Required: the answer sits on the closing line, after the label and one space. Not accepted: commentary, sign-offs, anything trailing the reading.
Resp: 5:59:57
